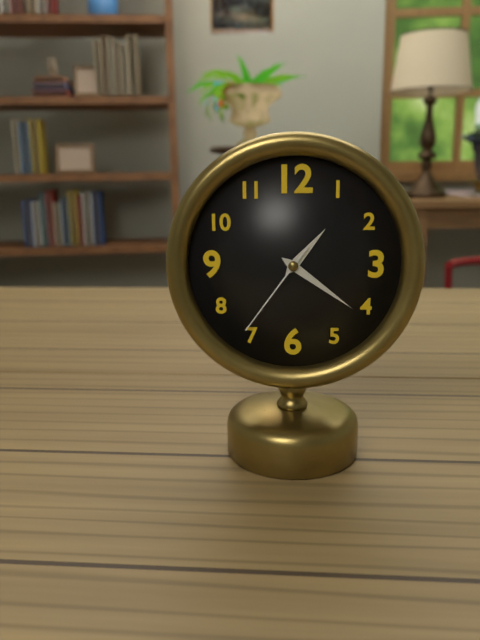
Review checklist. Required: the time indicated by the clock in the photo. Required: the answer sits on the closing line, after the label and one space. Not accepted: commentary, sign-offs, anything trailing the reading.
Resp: 1:21:36
